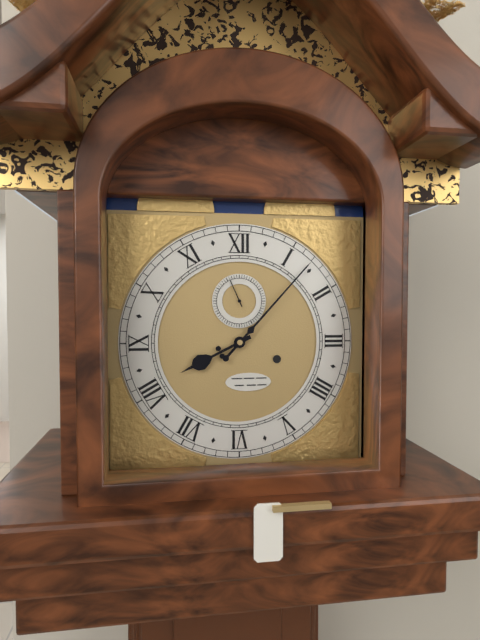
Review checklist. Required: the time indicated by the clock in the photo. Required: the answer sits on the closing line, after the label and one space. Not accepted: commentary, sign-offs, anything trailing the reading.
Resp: 8:07
